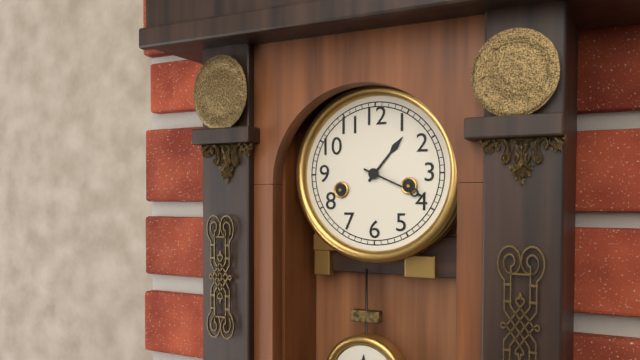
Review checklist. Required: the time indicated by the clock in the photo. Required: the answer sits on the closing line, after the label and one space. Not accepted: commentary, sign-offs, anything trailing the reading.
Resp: 1:19
